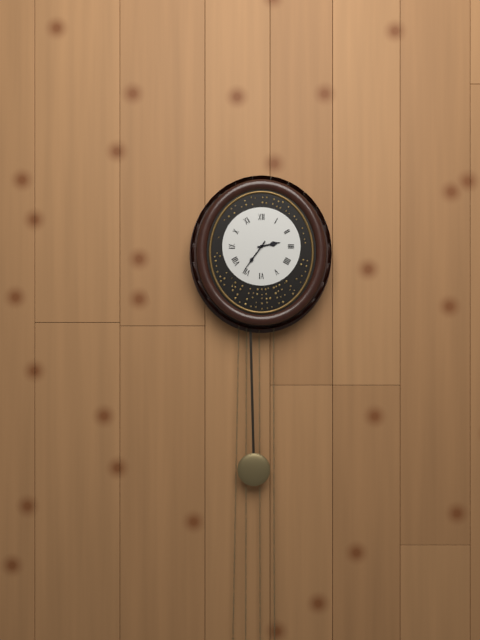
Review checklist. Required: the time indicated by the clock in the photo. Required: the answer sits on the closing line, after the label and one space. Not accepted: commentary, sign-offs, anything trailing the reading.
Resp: 2:36
